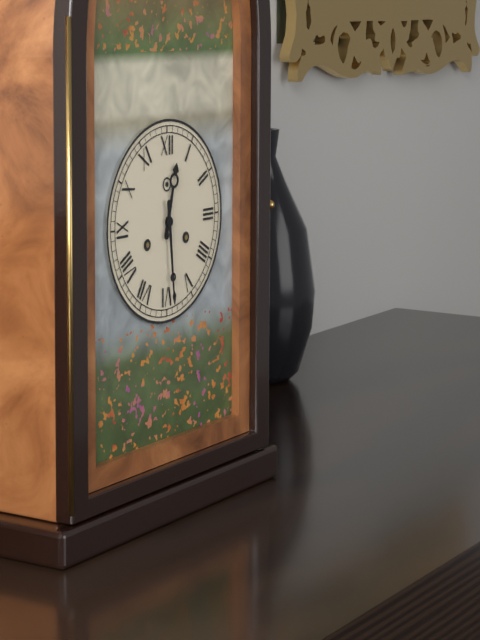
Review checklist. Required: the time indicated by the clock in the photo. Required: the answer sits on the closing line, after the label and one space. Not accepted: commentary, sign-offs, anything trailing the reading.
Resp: 12:29
